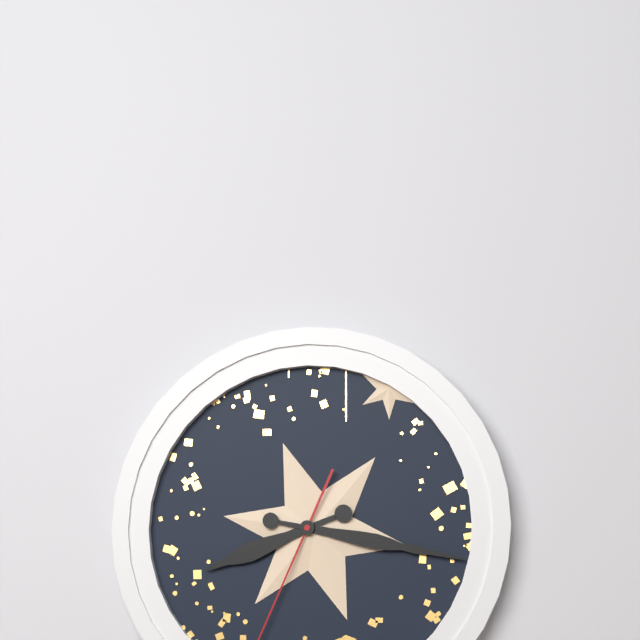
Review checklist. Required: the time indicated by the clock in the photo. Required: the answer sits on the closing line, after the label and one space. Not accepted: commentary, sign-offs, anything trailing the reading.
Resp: 8:17
